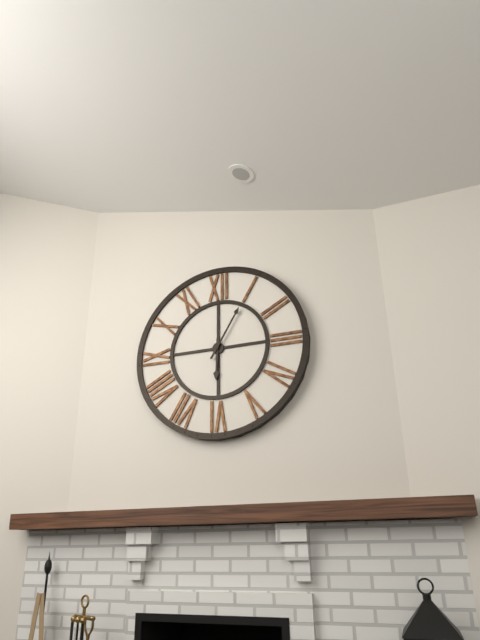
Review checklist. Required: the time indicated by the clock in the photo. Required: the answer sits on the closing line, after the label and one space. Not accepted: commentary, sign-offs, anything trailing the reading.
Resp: 6:05
